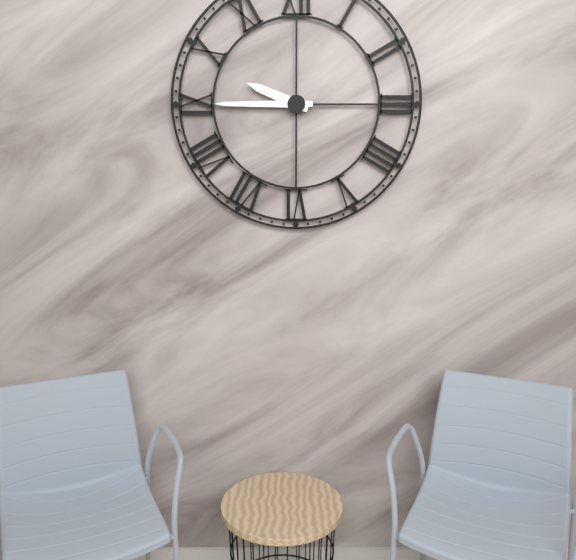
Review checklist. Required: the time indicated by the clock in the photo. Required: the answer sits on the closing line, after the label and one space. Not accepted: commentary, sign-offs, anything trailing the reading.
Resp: 9:45
